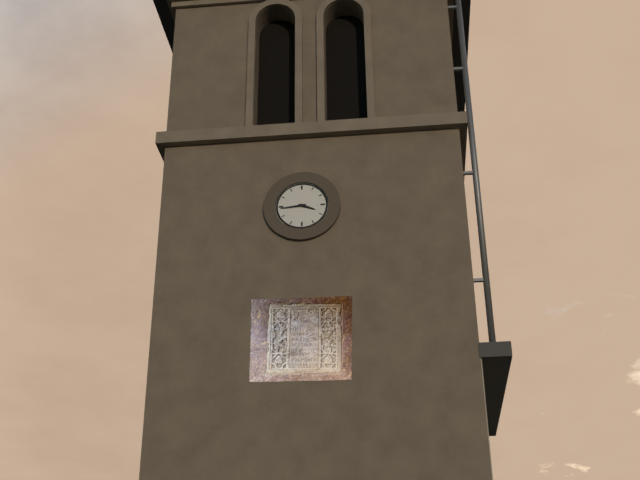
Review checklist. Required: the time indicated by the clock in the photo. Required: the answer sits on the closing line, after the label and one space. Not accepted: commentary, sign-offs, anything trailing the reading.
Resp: 3:44
